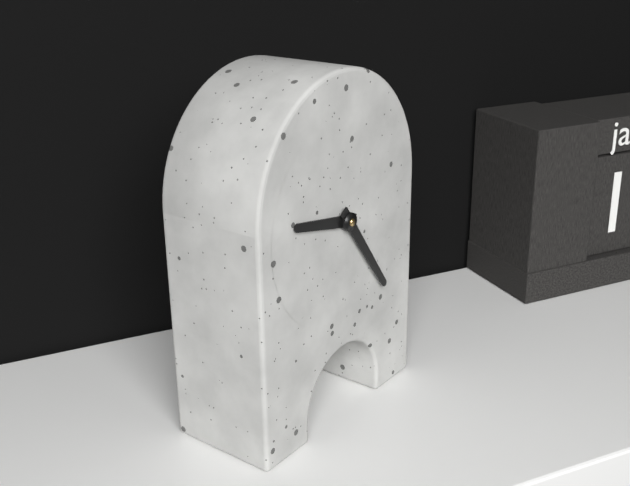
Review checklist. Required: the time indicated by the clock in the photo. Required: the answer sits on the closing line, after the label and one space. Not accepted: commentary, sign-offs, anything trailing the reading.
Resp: 9:24
